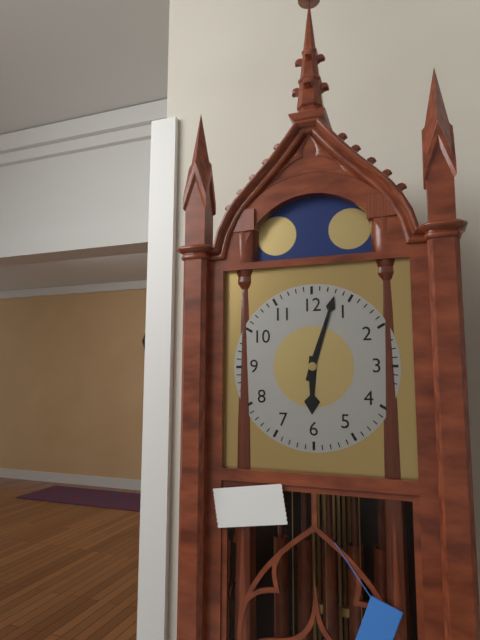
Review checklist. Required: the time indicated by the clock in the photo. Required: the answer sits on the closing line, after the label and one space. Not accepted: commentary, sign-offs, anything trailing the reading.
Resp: 6:03
